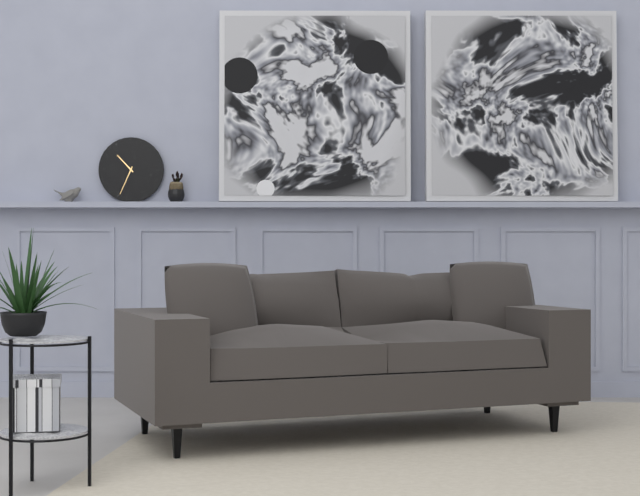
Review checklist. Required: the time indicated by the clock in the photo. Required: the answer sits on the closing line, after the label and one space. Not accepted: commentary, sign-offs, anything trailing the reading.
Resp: 10:34
